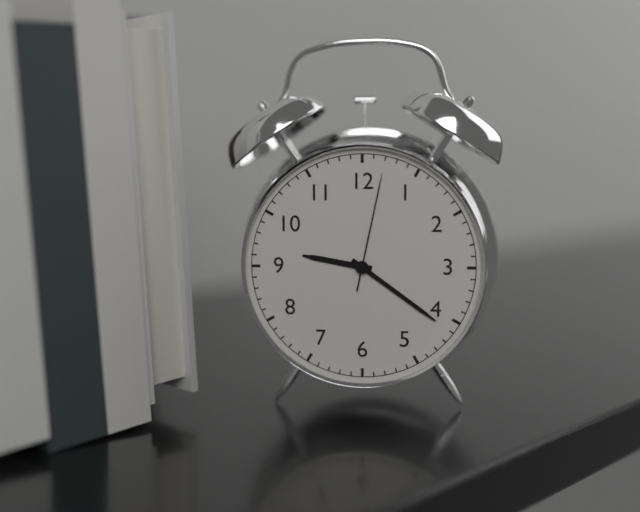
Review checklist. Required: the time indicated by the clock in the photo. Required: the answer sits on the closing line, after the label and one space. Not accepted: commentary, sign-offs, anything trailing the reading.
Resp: 9:21:02
